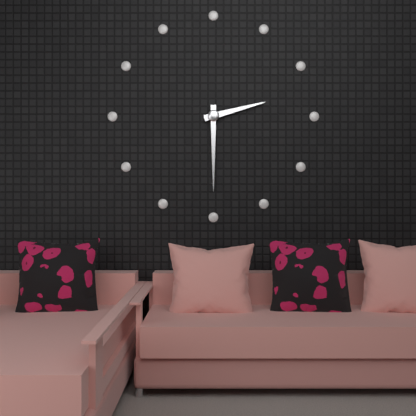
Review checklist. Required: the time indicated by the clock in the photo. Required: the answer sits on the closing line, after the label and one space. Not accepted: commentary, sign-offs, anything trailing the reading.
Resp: 2:30
